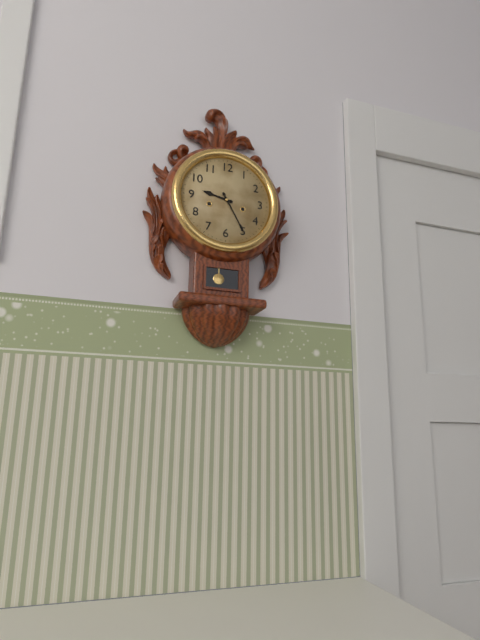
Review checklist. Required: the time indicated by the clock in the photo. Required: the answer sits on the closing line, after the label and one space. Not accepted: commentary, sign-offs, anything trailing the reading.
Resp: 9:25
